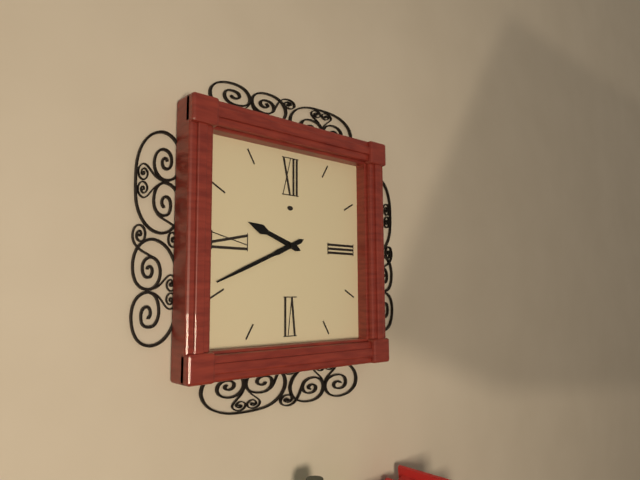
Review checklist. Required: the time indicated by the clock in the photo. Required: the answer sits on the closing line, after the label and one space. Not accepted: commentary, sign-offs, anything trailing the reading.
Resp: 9:41
